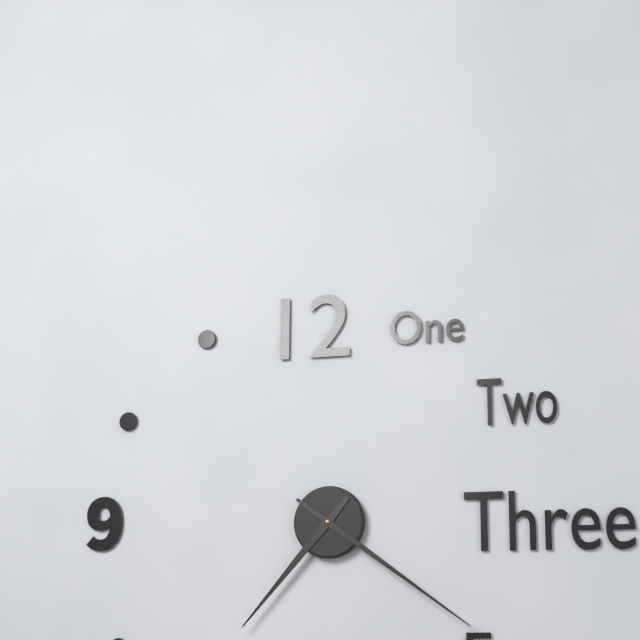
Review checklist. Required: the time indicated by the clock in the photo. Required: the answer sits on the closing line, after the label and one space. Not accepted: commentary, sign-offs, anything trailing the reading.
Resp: 7:21
